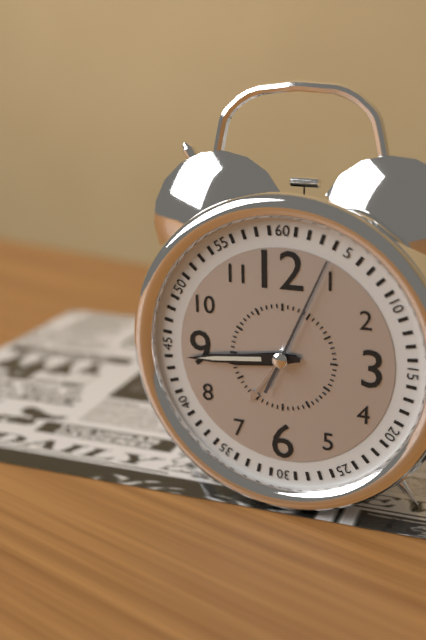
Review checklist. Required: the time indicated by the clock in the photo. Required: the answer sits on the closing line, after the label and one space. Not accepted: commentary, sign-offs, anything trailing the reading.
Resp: 8:44:04
